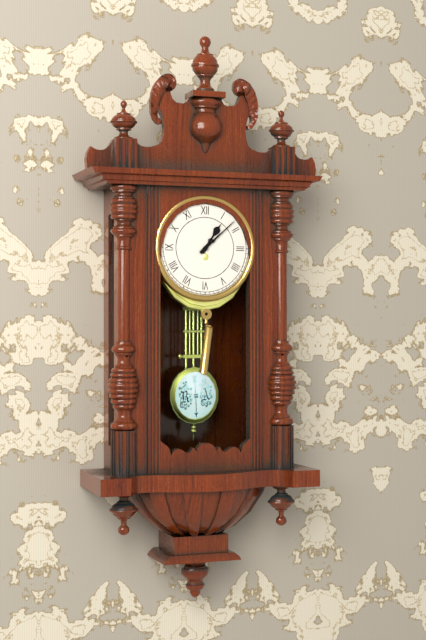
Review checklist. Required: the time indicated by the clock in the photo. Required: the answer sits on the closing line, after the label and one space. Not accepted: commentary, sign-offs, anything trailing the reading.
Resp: 1:08
